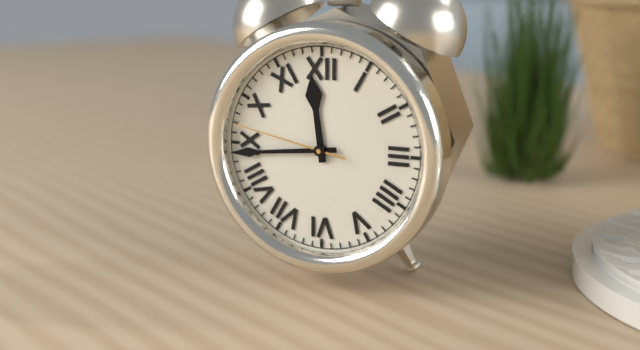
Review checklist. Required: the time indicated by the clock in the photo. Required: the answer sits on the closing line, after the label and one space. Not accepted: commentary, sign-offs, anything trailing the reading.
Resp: 11:44:47
